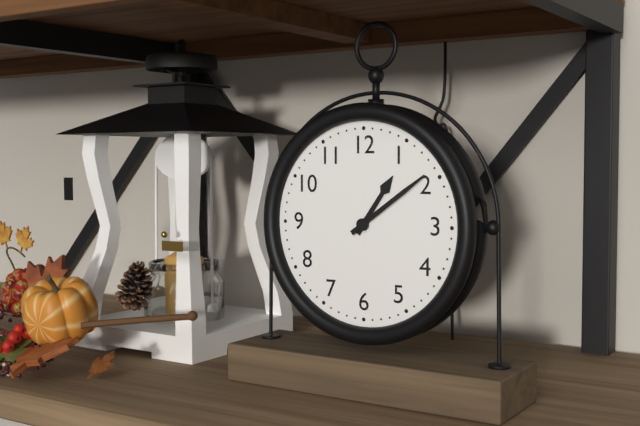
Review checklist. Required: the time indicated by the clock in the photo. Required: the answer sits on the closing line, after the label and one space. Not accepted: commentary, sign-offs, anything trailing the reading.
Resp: 1:09
